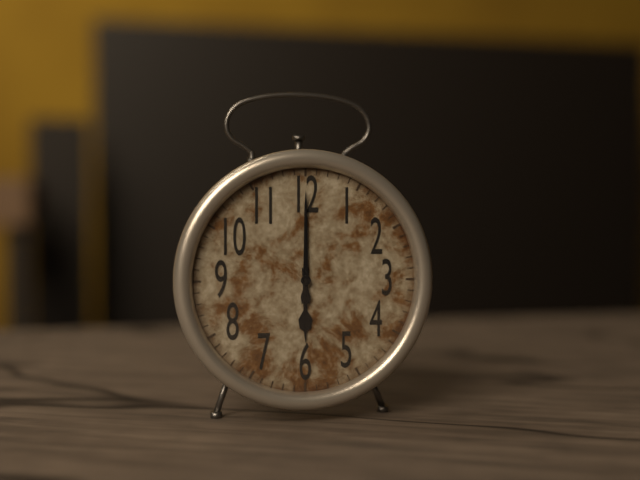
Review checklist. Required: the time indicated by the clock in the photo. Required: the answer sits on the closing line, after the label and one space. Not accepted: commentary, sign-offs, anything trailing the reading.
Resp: 6:00
